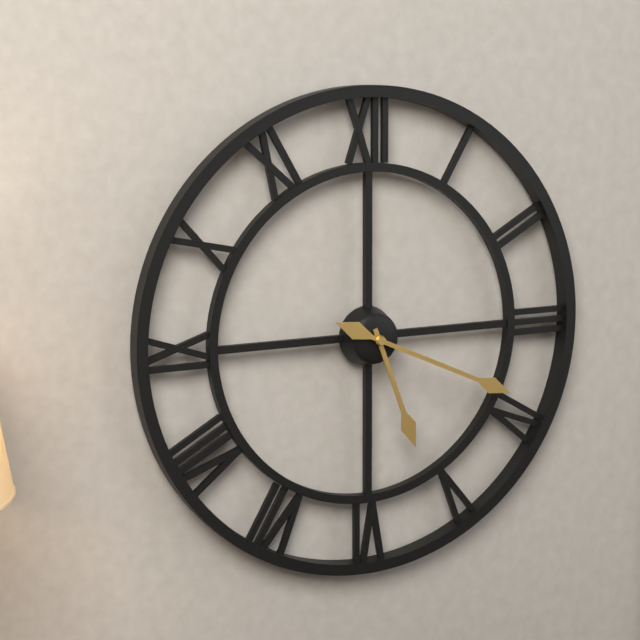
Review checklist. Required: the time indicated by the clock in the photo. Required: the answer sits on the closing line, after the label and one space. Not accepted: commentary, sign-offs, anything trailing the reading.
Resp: 5:19
